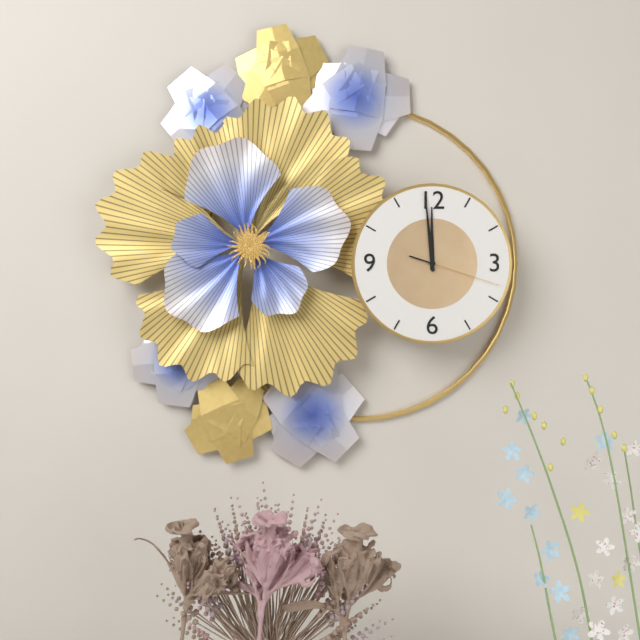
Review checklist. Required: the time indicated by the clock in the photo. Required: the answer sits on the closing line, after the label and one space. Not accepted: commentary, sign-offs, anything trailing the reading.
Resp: 11:59:18
